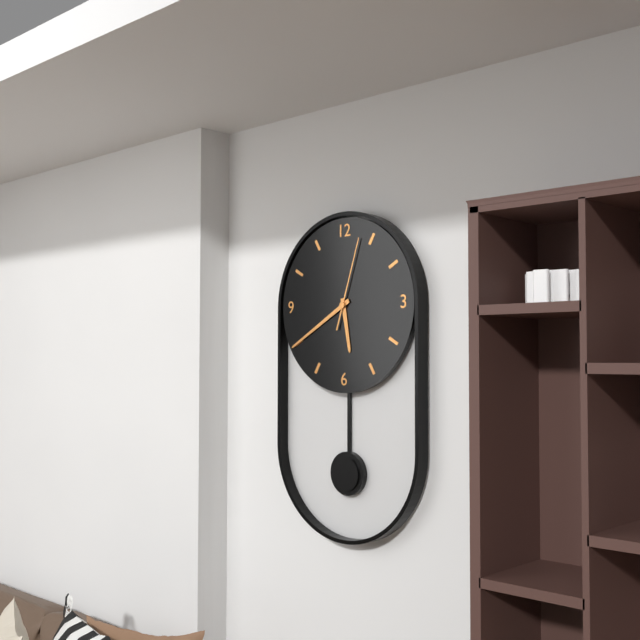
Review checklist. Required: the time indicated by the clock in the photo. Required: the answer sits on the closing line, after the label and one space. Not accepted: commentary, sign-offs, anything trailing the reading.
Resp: 5:40:03
